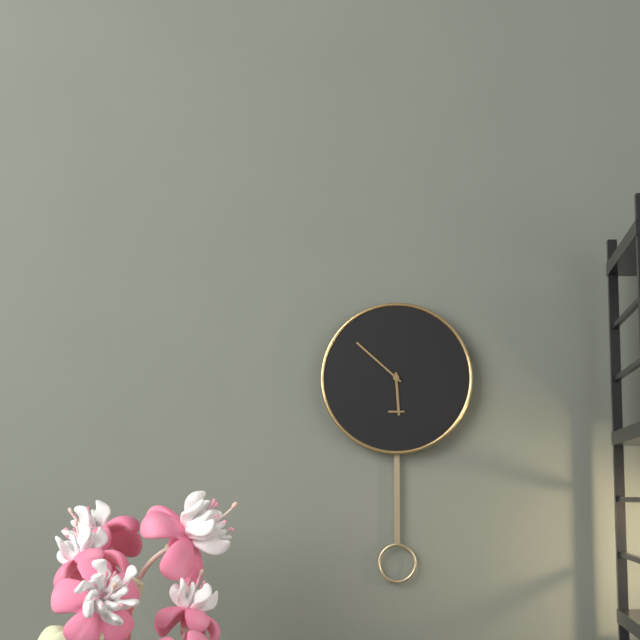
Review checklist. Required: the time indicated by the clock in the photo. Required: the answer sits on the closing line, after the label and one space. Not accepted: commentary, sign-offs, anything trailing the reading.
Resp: 5:52
